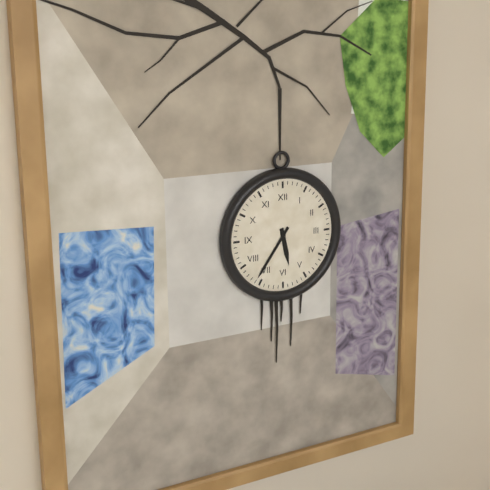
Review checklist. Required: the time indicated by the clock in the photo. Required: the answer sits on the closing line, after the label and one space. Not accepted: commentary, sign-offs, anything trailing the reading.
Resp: 5:36
